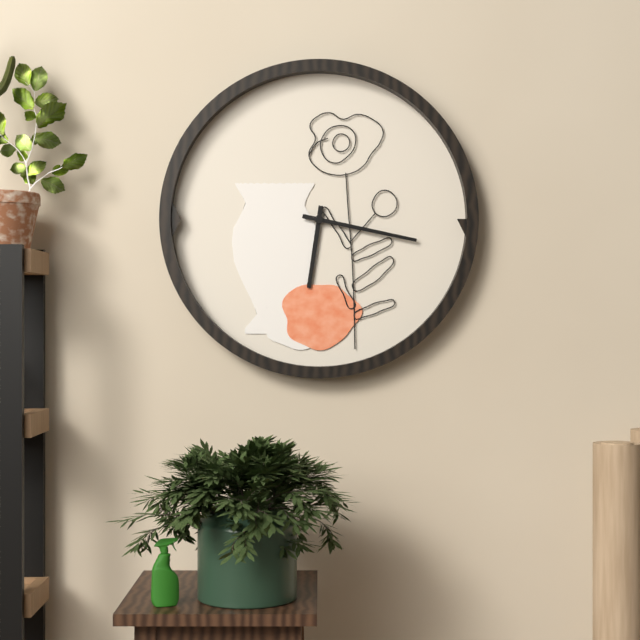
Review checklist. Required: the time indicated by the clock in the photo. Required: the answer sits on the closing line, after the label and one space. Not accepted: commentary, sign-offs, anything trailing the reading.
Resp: 6:17
